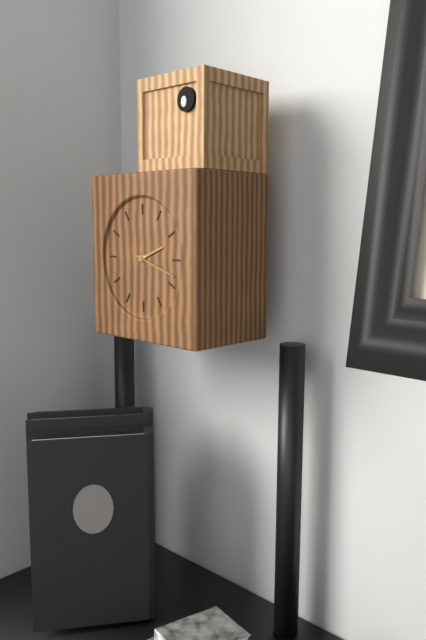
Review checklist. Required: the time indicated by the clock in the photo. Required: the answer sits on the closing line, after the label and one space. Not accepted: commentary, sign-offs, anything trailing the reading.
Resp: 2:18
